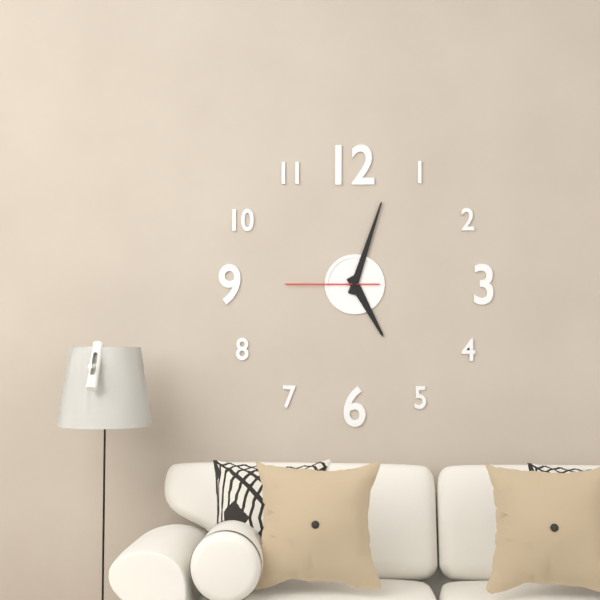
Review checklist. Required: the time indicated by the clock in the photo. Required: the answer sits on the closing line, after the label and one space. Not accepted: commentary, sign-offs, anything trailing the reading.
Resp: 5:03:45
